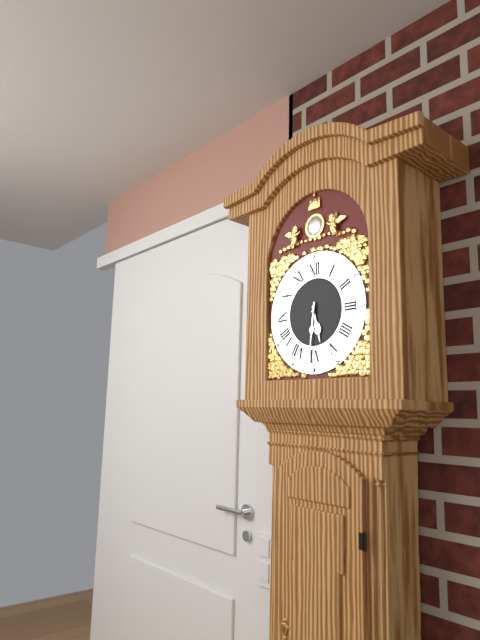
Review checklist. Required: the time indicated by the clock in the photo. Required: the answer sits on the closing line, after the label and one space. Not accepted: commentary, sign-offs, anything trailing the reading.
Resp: 5:31
